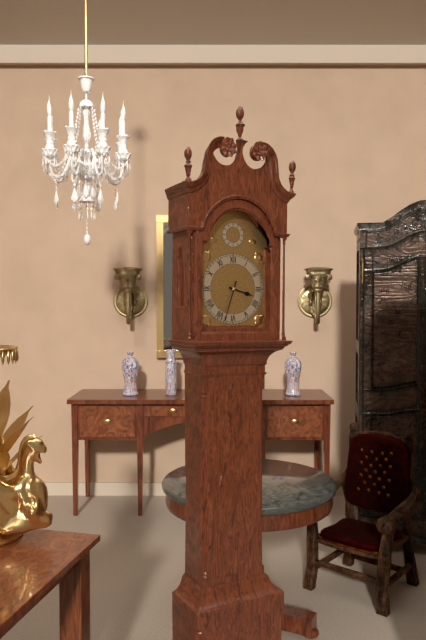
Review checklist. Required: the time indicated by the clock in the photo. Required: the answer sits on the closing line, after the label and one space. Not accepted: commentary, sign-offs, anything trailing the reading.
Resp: 3:33
